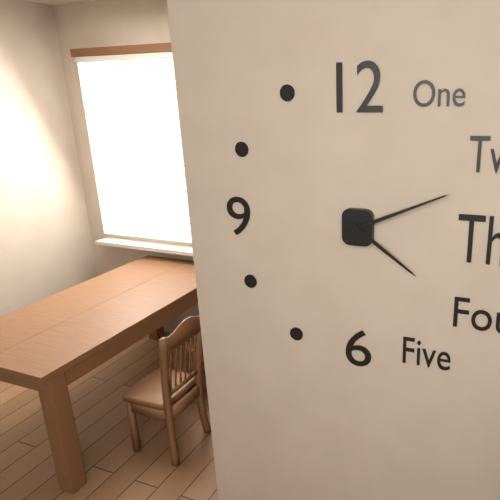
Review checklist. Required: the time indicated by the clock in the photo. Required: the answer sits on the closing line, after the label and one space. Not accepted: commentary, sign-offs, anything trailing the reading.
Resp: 4:11
